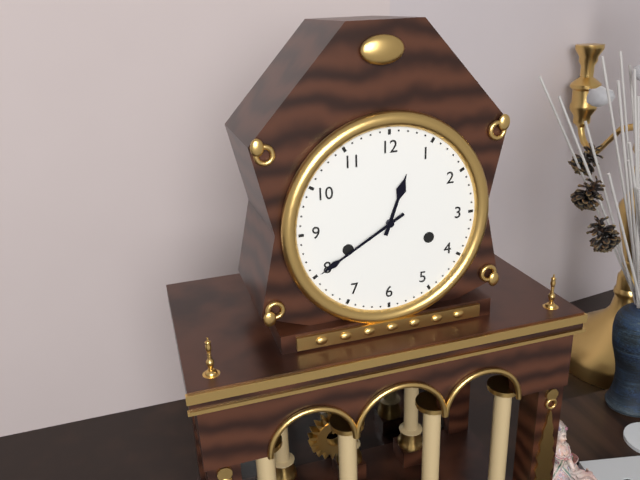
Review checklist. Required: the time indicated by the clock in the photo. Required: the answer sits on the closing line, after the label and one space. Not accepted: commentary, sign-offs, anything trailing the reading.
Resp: 12:40
